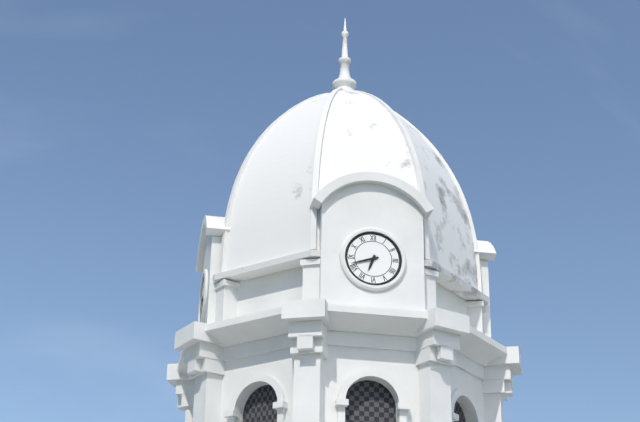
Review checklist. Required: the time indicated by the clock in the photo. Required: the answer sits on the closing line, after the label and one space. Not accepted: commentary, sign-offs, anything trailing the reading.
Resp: 6:42
